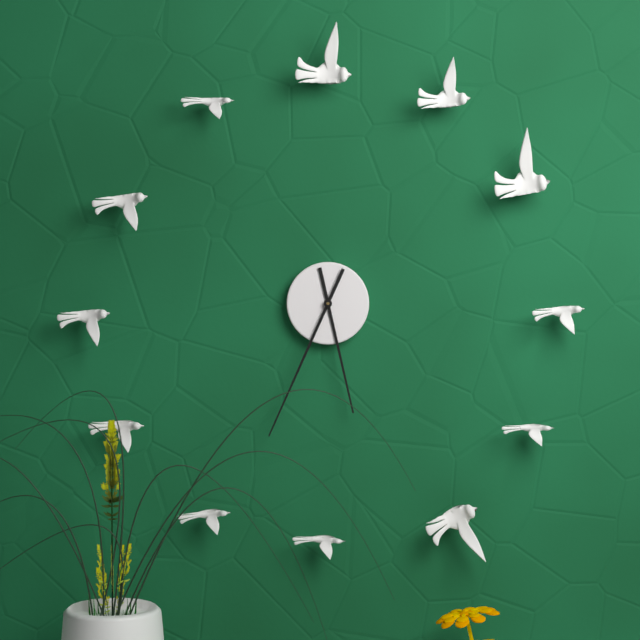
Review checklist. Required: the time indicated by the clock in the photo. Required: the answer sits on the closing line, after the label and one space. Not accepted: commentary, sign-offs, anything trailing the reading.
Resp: 5:34
